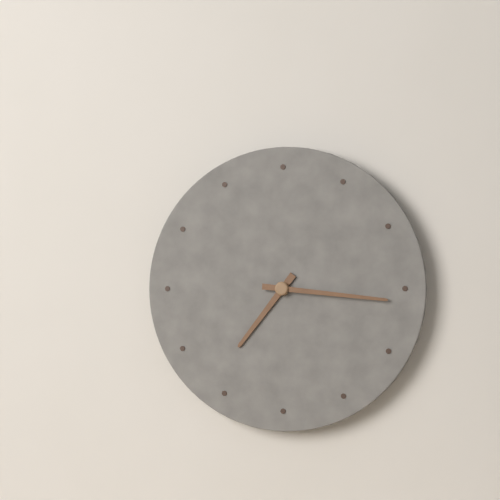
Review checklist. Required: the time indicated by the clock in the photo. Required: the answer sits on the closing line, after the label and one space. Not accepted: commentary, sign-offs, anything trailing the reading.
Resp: 7:16
